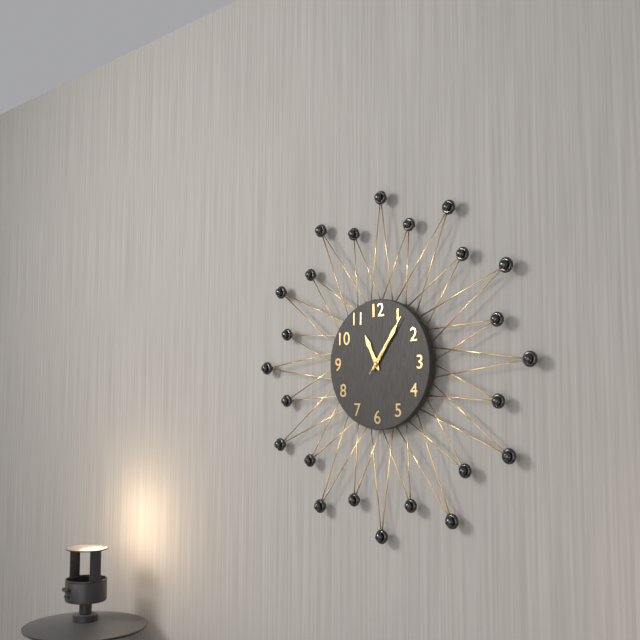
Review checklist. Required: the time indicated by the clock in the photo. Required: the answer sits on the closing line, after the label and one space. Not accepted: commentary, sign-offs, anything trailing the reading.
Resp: 11:06:06
